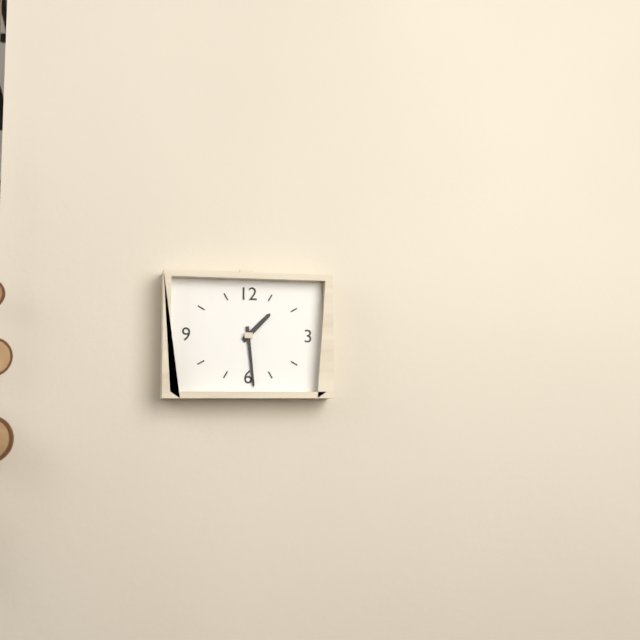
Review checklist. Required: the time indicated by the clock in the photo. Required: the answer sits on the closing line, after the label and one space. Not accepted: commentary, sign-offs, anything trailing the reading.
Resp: 1:29
